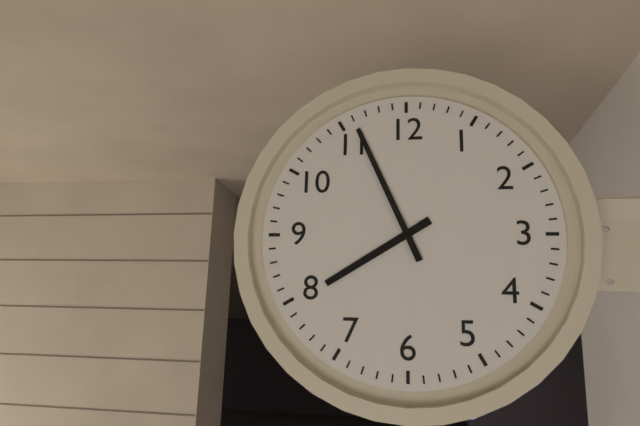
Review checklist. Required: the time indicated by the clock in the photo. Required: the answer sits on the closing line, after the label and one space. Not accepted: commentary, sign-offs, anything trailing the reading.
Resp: 7:56
